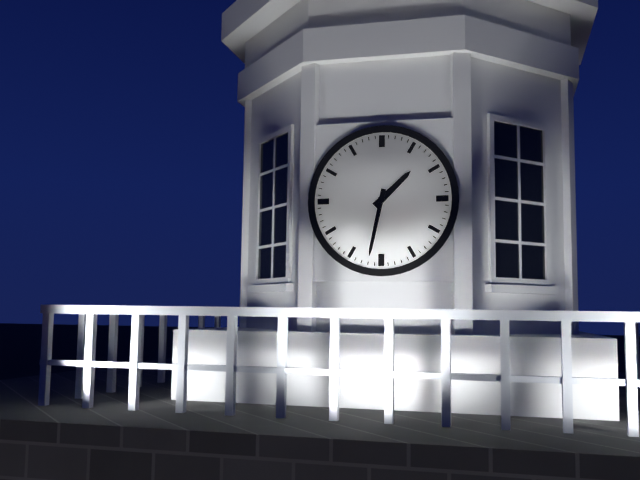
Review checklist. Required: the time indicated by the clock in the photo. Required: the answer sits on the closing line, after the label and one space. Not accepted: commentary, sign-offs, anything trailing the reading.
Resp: 1:32
